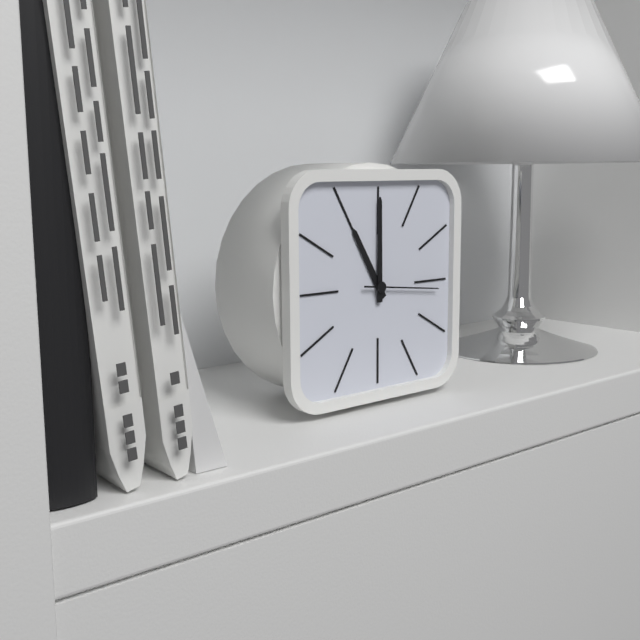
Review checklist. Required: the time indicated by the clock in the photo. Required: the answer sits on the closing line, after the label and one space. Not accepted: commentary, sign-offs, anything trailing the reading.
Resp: 11:00:16
